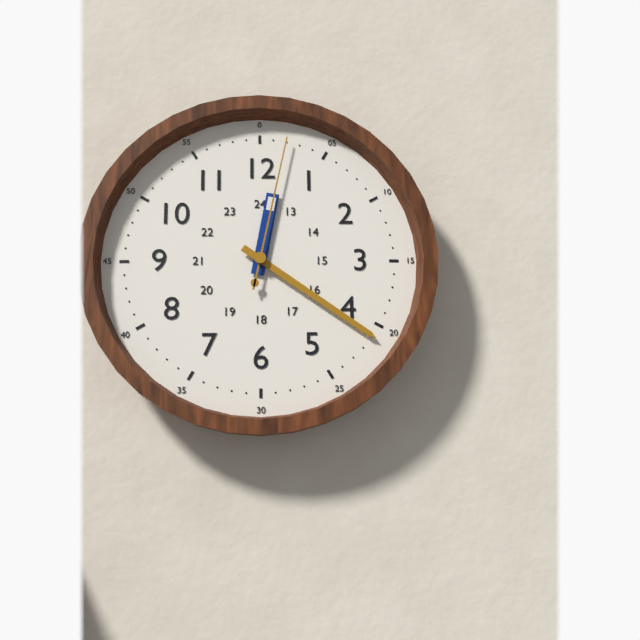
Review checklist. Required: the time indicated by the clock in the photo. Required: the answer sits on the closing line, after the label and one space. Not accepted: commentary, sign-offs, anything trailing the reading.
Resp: 12:21:02
